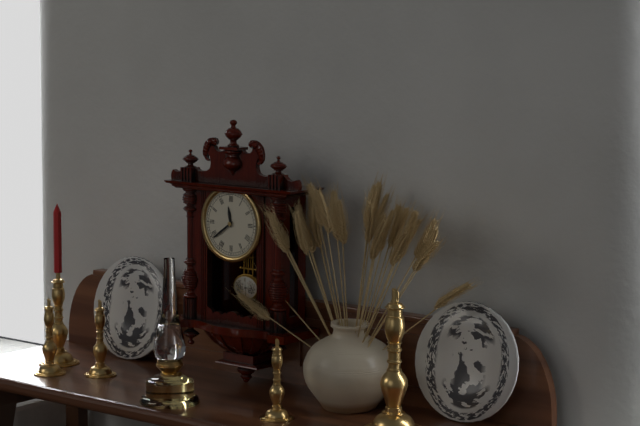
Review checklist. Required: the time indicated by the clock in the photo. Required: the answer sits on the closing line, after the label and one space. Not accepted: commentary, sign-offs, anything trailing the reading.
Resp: 11:39
